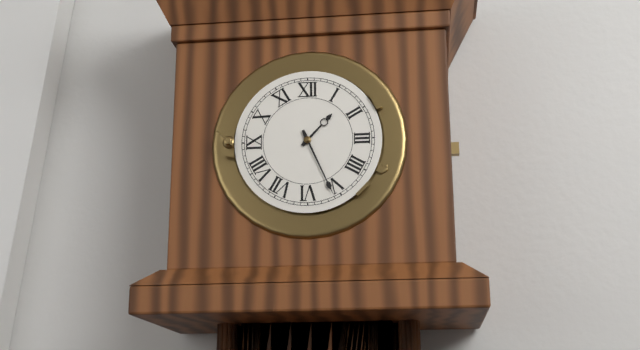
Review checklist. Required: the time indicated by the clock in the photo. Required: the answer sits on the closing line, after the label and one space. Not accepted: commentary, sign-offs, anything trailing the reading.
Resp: 1:26
